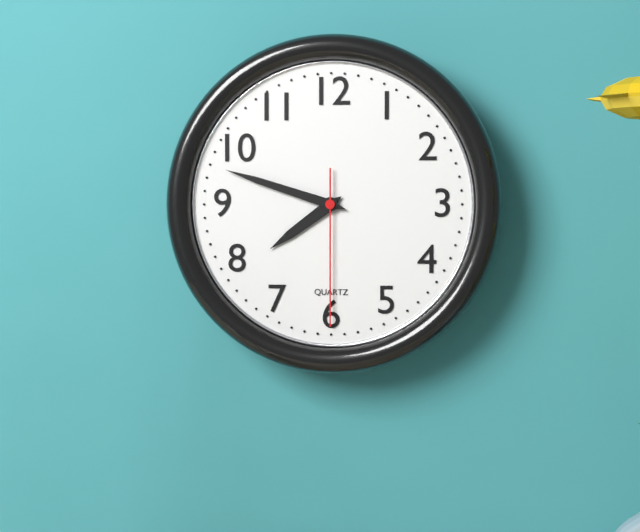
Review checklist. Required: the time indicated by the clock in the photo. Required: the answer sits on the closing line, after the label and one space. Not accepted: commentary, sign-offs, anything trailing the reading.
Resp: 7:48:30
